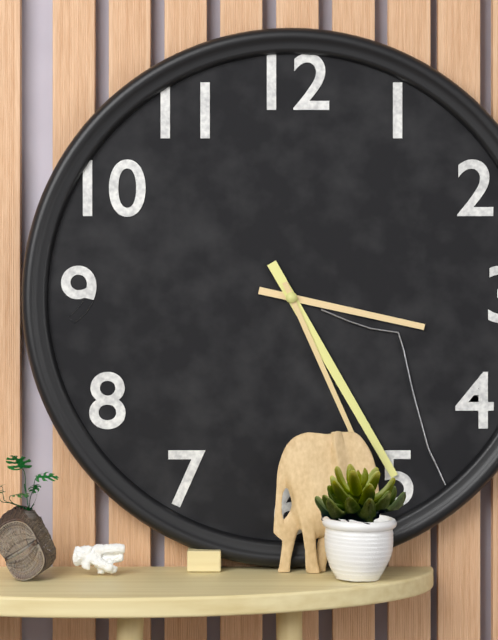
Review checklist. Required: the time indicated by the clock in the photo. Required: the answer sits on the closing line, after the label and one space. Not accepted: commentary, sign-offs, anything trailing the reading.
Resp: 3:25
